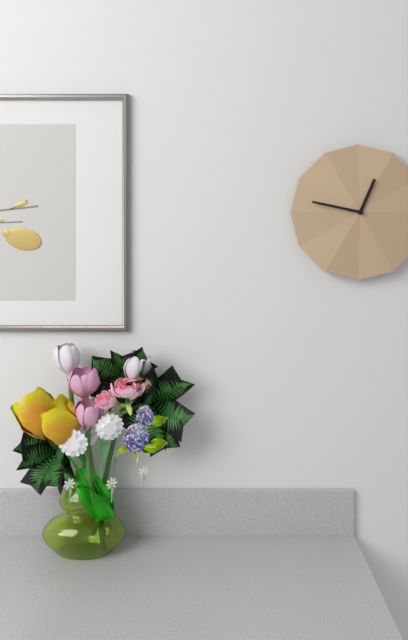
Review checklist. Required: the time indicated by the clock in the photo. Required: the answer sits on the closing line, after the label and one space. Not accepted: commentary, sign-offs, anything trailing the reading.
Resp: 12:47
